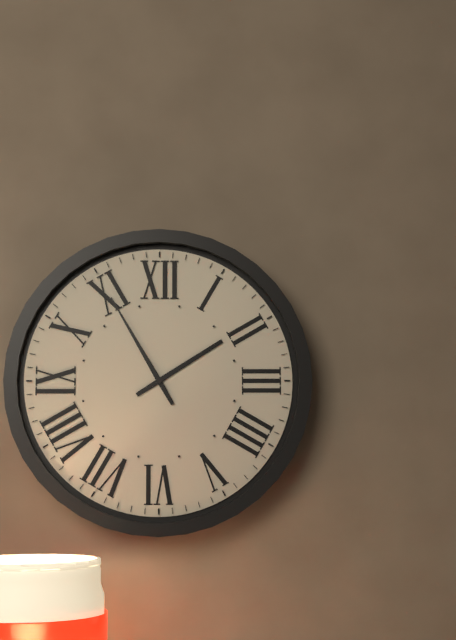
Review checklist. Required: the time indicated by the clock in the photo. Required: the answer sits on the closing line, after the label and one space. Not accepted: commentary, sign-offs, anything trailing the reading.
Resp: 1:55
